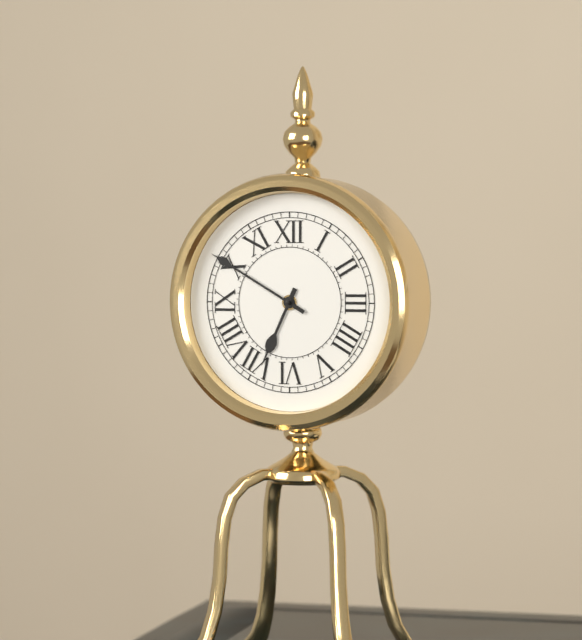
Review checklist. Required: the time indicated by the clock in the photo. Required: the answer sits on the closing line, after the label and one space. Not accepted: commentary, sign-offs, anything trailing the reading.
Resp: 6:50
